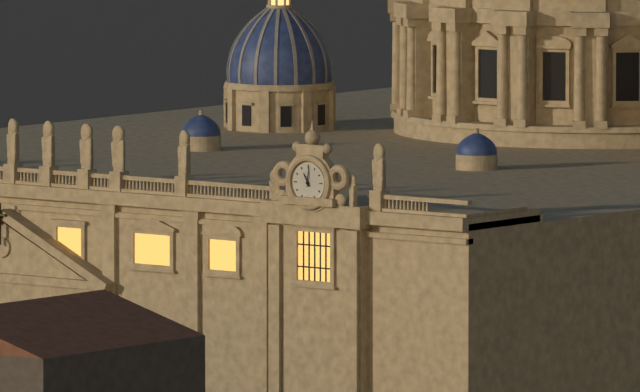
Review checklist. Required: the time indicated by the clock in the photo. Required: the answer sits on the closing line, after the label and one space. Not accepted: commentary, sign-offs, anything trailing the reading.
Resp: 11:01
